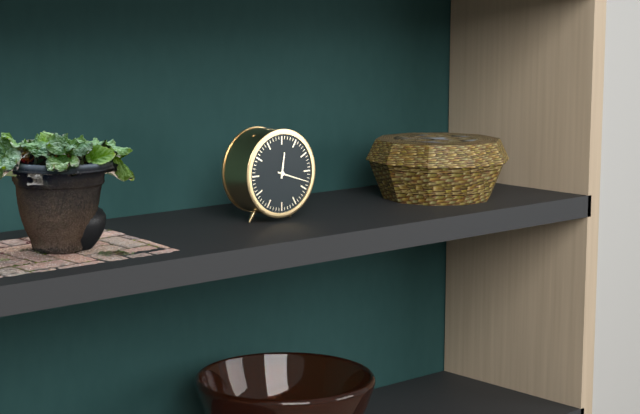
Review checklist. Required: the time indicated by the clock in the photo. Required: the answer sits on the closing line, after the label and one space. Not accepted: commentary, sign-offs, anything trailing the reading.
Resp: 12:18
